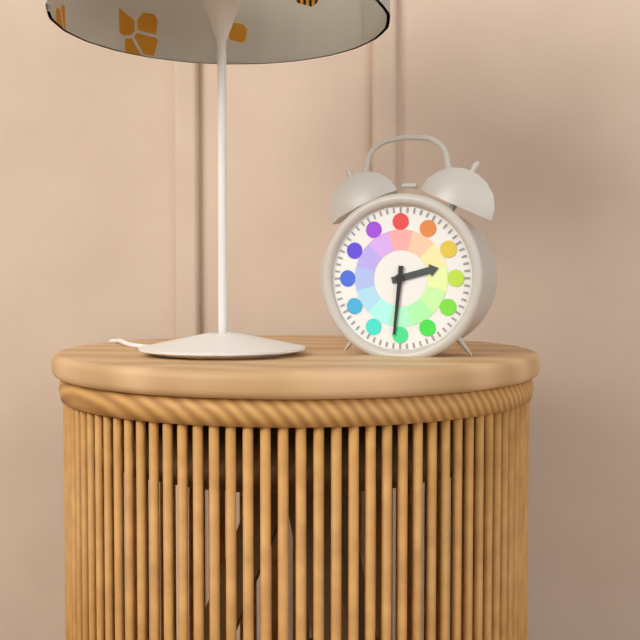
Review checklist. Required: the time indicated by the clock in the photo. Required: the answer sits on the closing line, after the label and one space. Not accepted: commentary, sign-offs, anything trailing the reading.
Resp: 2:31
